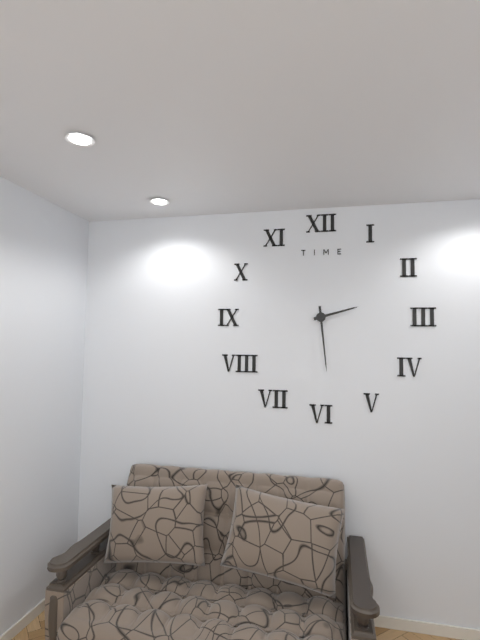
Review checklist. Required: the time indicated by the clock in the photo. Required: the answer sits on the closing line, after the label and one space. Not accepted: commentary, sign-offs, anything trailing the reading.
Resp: 2:29
